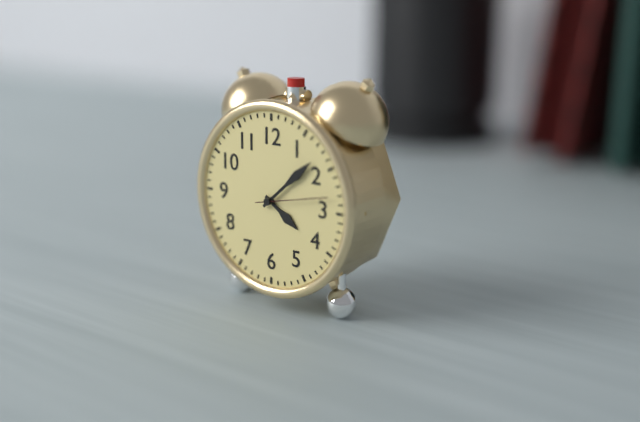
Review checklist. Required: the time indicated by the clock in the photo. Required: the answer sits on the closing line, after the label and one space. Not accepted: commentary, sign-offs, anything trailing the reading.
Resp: 4:08:13
